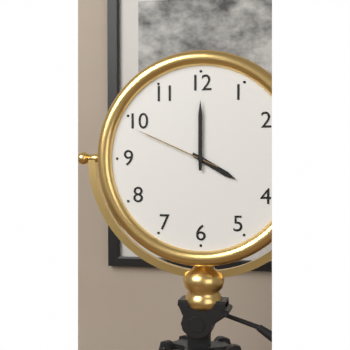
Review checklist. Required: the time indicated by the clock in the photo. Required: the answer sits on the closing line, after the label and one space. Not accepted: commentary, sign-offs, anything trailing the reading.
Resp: 4:00:49
